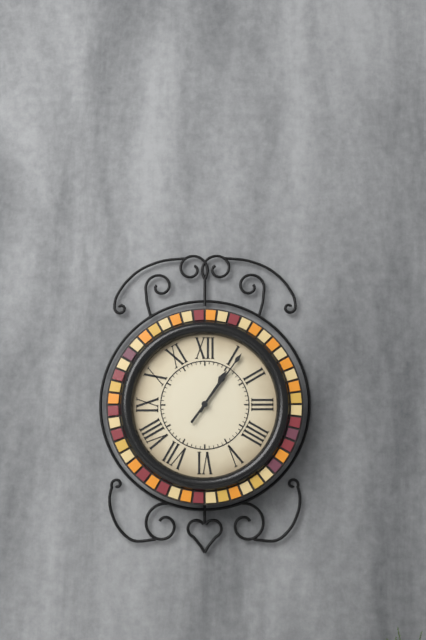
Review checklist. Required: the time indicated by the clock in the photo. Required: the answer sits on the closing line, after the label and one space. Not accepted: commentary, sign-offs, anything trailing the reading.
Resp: 1:06
